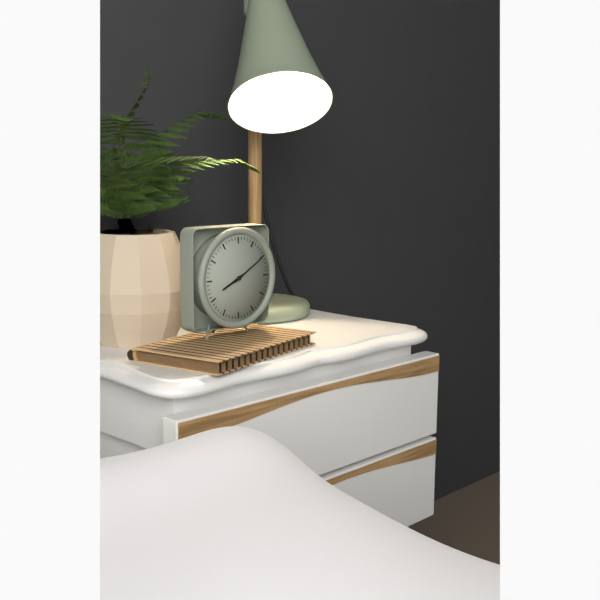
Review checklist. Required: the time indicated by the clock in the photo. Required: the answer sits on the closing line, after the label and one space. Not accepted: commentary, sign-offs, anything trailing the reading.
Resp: 8:10
